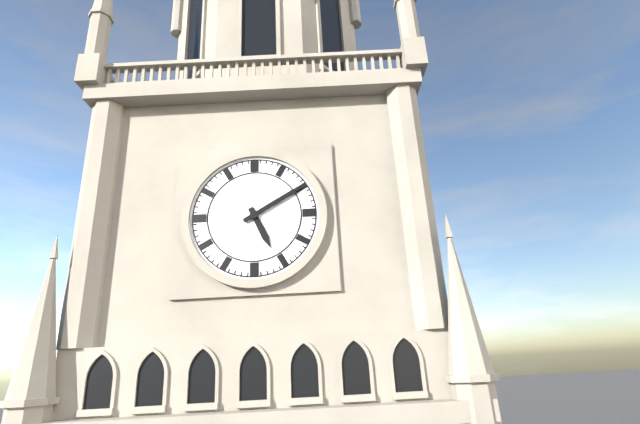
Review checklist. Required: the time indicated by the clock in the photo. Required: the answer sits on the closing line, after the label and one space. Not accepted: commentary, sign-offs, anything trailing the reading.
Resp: 5:10
